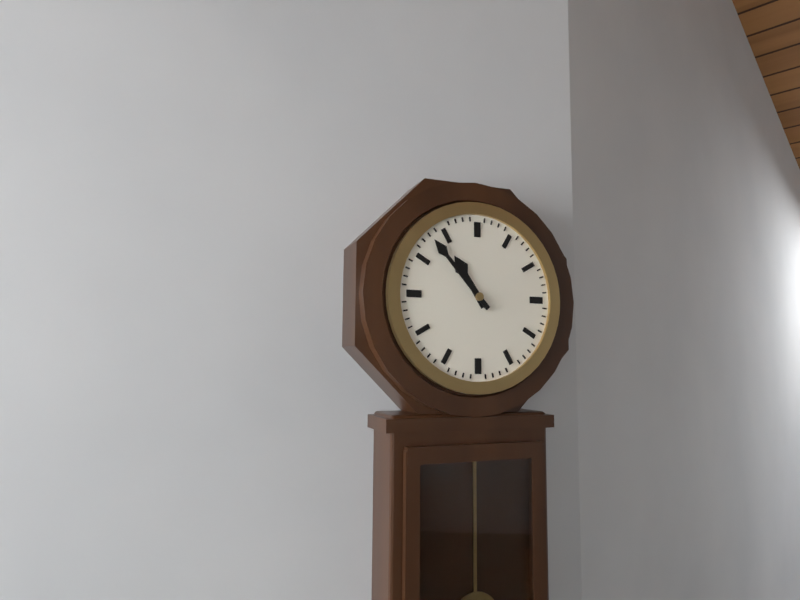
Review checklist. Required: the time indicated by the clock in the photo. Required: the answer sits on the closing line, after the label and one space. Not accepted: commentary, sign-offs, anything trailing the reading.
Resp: 10:53
